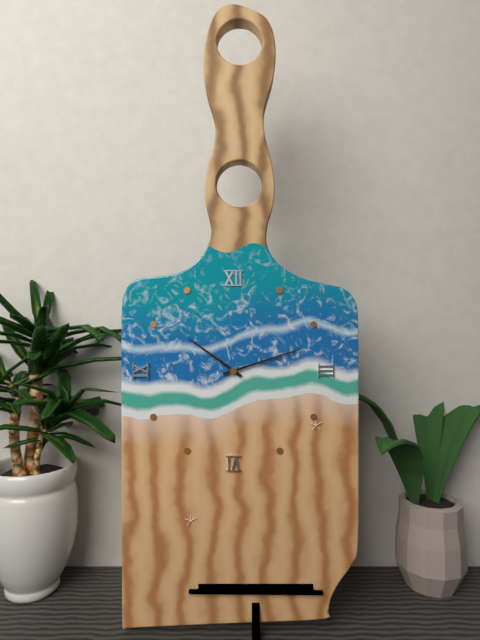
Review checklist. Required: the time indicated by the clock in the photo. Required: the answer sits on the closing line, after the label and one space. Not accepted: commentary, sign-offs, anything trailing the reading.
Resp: 10:12
